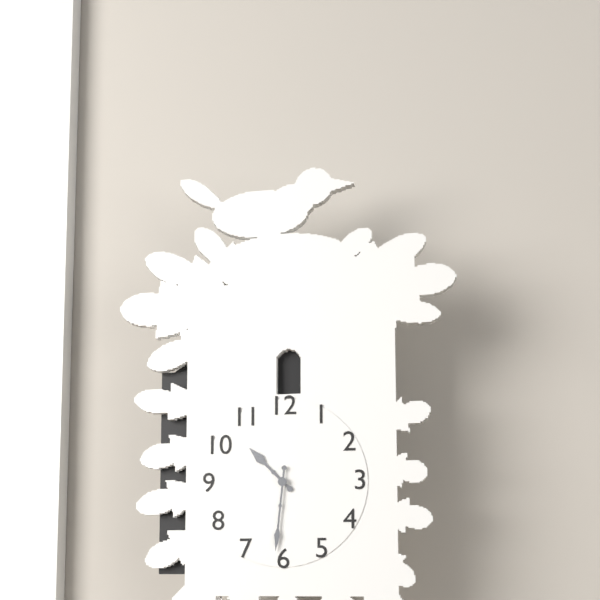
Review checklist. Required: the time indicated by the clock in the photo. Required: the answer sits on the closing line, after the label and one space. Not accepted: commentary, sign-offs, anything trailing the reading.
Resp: 10:31
